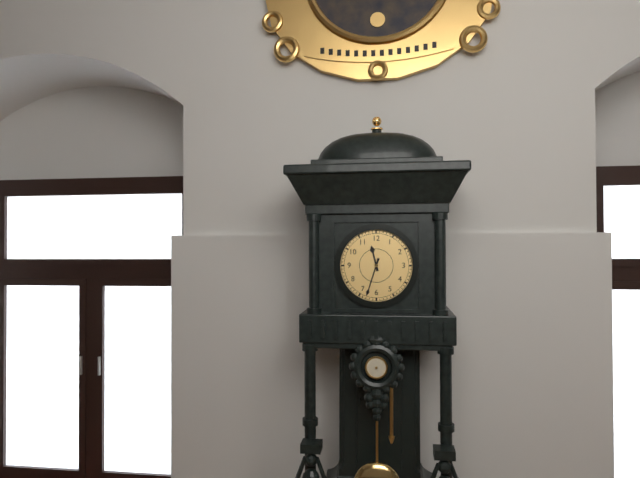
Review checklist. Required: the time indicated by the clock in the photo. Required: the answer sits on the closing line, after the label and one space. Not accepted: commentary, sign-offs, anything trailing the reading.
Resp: 11:33
